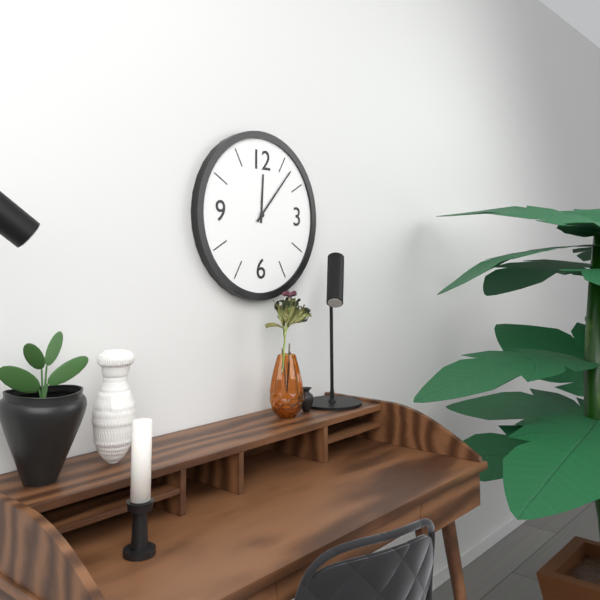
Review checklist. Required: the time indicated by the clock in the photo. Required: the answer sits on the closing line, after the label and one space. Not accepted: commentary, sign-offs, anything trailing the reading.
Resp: 12:07
